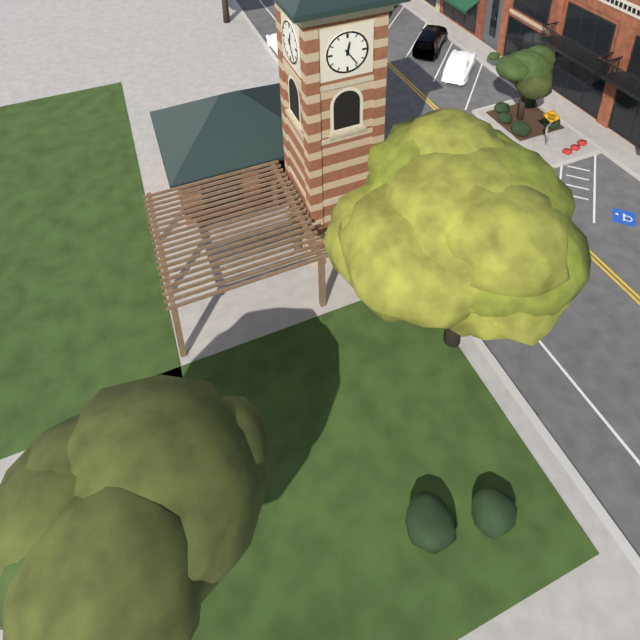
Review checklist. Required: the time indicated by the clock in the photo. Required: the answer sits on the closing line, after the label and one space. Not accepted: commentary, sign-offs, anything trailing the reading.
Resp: 12:24
